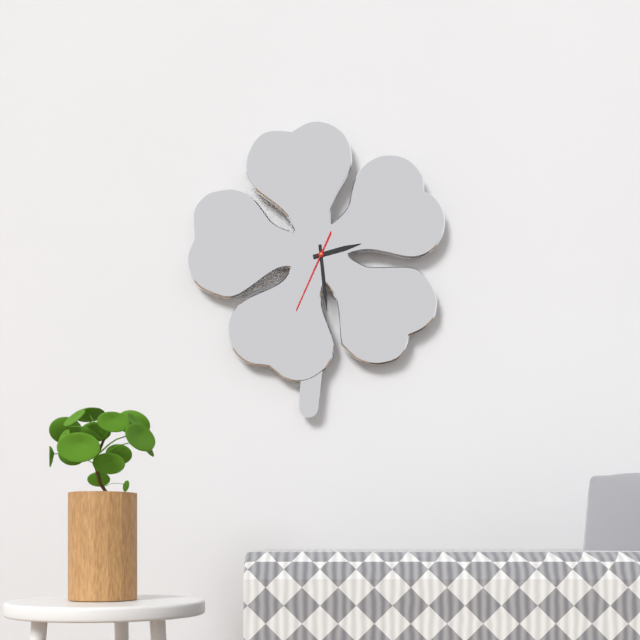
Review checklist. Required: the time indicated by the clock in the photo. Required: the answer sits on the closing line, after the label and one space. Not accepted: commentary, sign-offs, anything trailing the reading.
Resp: 2:29:34
